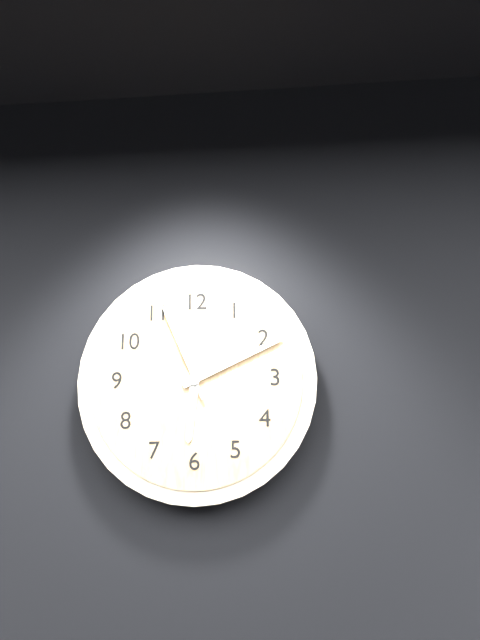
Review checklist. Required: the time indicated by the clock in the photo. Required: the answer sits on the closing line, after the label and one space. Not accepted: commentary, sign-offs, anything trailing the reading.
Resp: 6:11:56
